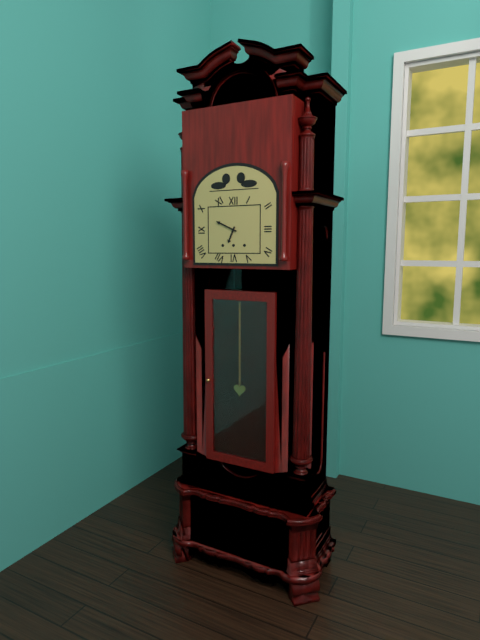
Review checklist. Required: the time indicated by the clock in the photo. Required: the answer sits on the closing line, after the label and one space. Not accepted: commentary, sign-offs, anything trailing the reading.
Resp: 6:49
